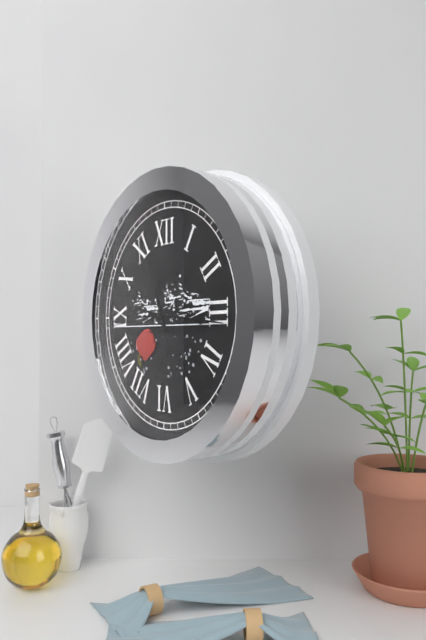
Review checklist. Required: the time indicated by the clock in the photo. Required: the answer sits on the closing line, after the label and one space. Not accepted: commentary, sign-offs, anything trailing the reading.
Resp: 11:16:44
